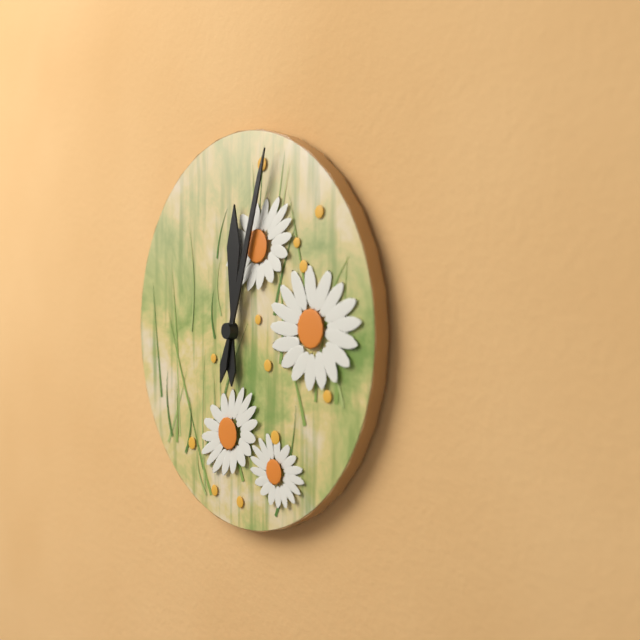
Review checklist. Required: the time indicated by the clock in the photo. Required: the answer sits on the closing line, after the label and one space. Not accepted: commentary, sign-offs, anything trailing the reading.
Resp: 12:03
